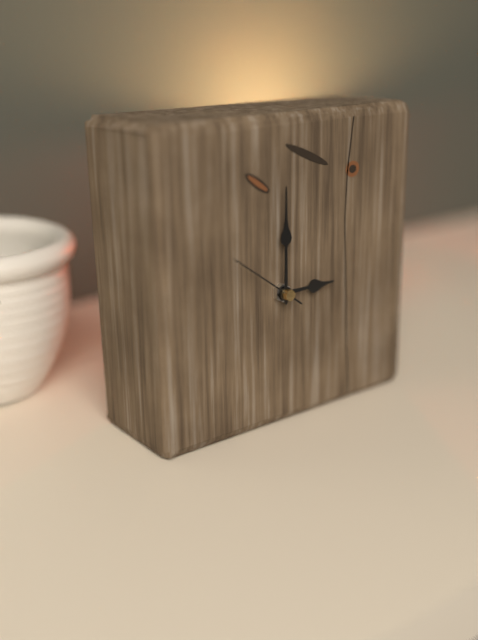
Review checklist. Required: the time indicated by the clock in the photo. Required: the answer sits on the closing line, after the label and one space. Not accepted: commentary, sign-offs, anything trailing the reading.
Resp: 3:00:51
